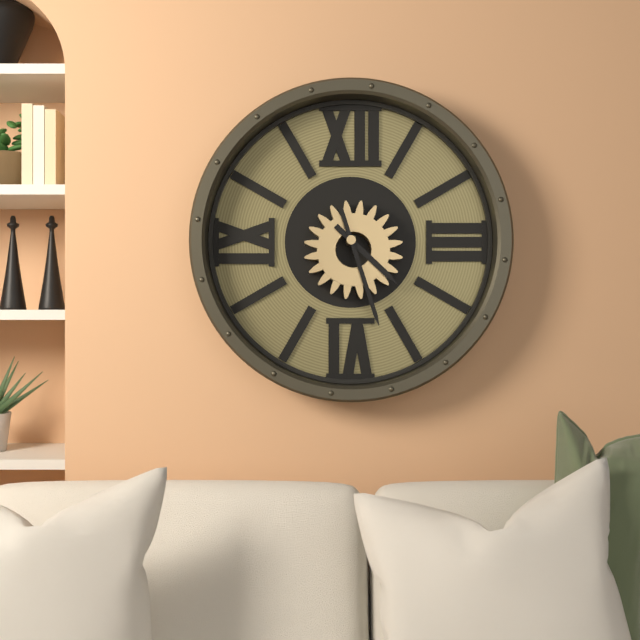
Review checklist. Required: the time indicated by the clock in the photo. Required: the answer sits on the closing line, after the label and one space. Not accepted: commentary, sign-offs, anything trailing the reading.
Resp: 4:27
